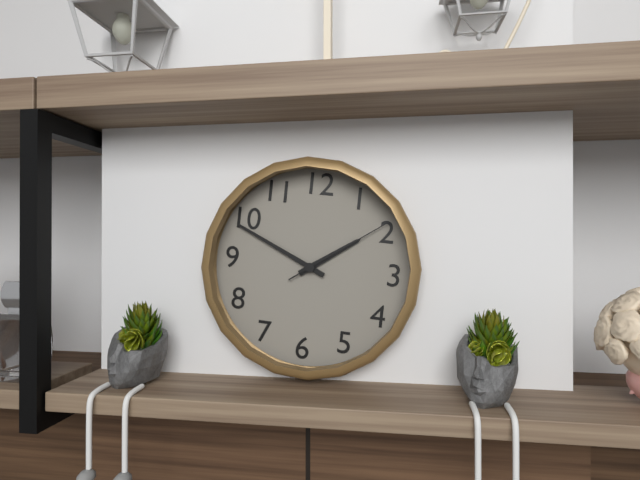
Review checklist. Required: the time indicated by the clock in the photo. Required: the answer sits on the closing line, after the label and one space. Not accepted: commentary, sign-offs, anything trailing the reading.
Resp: 1:49:09
